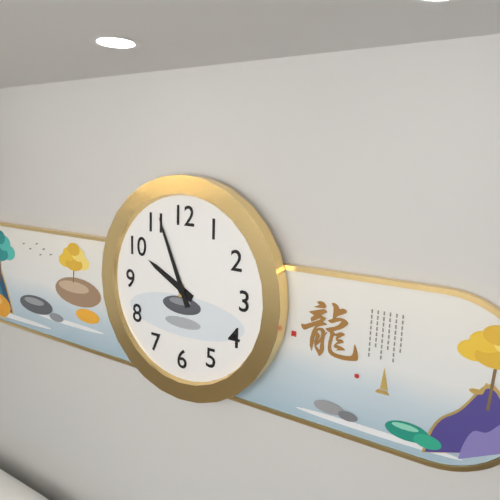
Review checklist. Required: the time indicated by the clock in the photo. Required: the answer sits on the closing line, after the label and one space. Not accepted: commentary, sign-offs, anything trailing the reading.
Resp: 9:56
